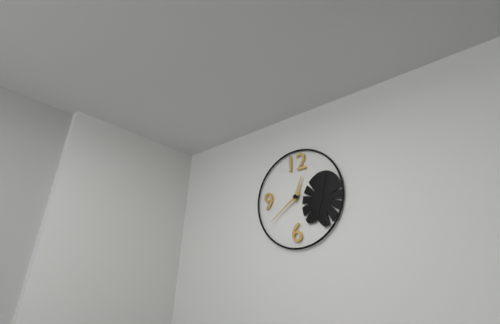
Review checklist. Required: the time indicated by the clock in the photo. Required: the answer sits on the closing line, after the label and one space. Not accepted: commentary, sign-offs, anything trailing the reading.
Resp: 12:39
